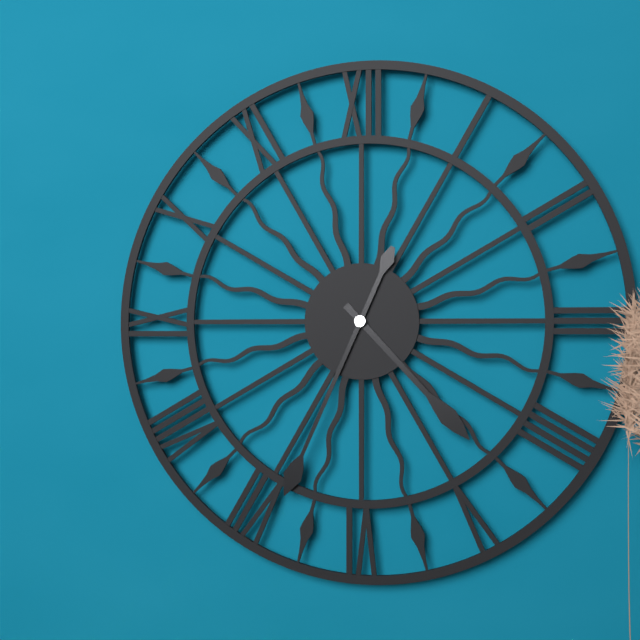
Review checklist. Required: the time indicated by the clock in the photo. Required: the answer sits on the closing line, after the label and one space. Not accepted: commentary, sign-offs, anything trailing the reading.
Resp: 4:34
